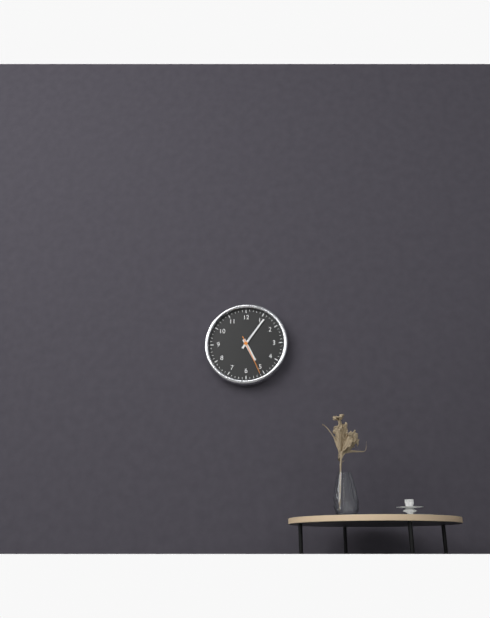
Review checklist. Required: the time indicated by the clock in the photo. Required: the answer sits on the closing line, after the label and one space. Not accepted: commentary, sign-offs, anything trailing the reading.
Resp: 5:06
